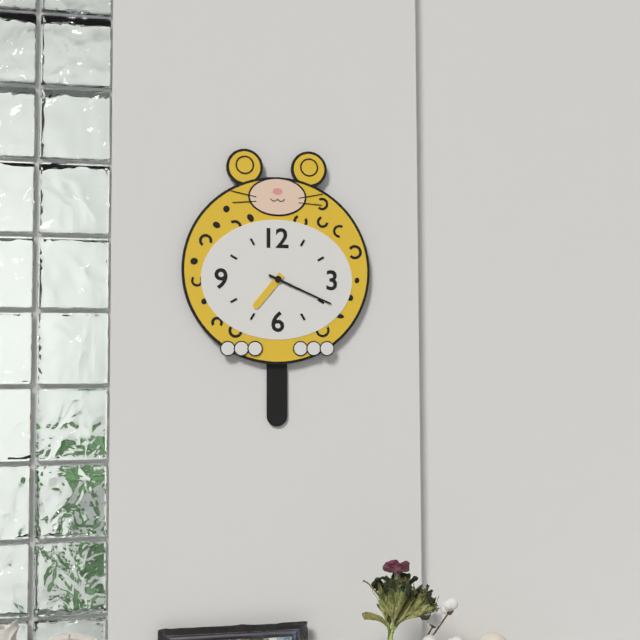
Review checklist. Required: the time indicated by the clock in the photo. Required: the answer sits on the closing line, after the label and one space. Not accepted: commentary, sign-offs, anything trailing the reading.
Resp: 7:19
